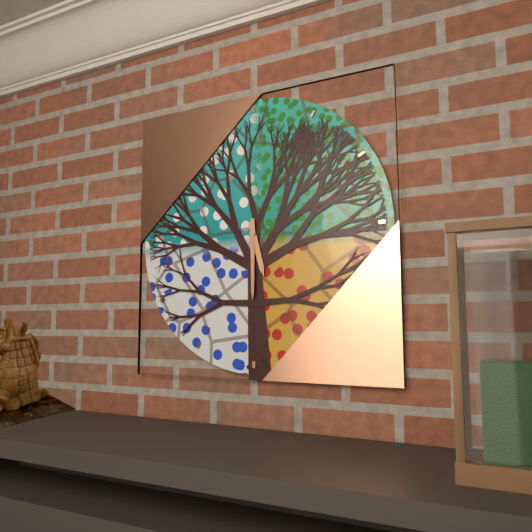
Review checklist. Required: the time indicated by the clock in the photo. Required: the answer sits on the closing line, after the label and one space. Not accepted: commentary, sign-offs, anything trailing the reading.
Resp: 5:30
